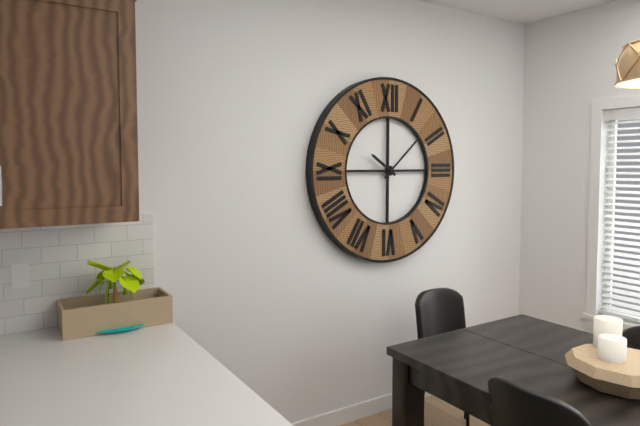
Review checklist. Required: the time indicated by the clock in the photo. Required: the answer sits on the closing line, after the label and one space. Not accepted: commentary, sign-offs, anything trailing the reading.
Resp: 10:08
